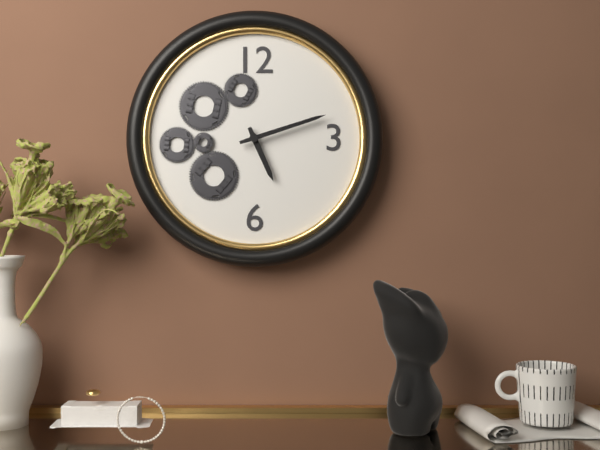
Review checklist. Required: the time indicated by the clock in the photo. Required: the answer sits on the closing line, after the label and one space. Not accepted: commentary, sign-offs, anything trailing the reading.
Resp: 5:12
